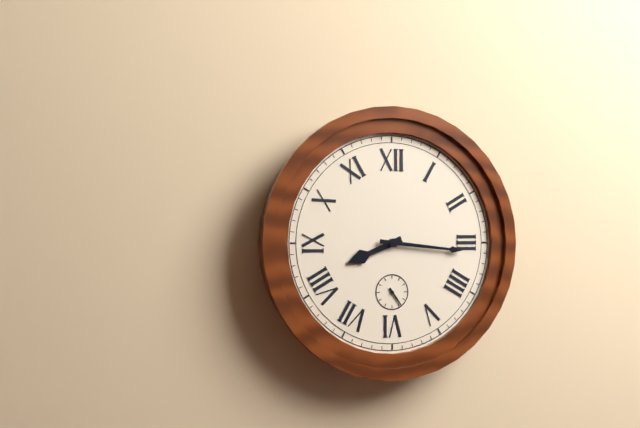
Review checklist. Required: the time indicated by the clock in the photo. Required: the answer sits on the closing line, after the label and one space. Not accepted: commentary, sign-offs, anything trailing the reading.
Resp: 8:16
